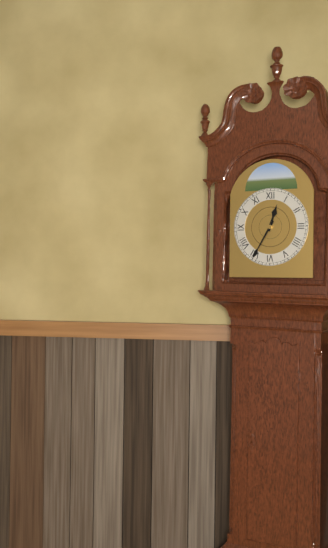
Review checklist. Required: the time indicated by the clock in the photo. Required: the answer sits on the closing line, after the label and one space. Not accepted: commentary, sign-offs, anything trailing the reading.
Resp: 12:35
